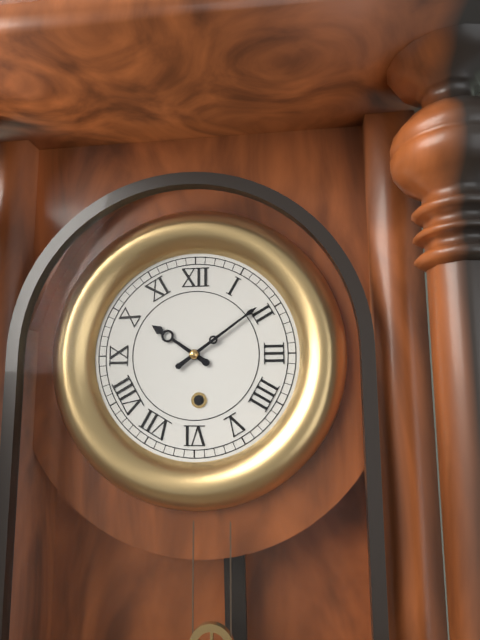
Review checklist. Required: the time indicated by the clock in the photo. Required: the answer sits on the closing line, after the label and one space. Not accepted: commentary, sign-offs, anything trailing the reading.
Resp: 10:09
